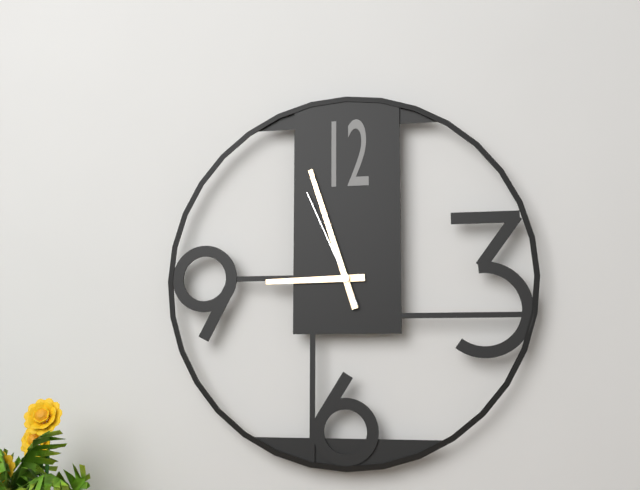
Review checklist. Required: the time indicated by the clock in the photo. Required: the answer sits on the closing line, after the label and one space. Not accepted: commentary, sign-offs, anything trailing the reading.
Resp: 8:57:56
